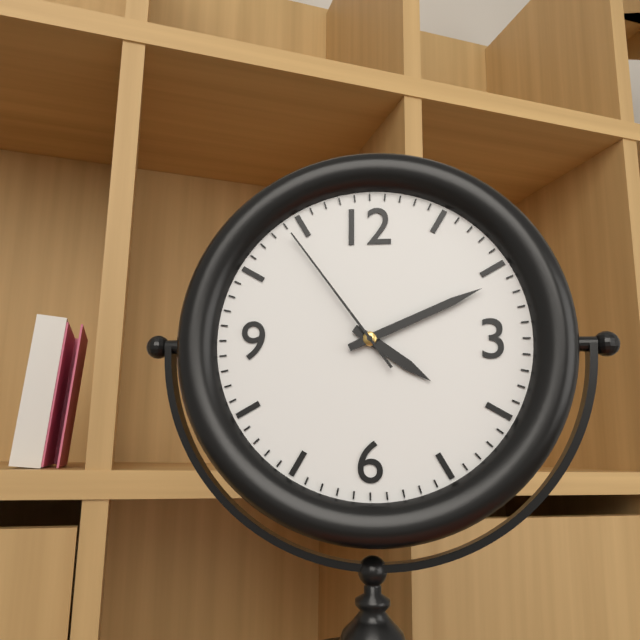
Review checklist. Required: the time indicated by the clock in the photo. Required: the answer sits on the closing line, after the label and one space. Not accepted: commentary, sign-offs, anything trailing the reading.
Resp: 4:11:54
